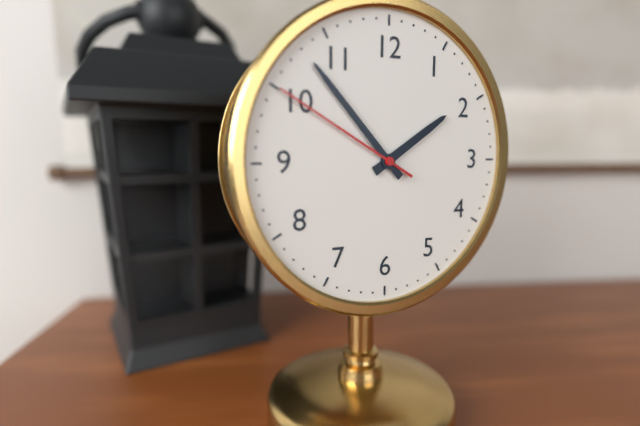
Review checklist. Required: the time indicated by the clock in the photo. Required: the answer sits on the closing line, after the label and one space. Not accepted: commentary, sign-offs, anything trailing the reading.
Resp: 1:53:50
